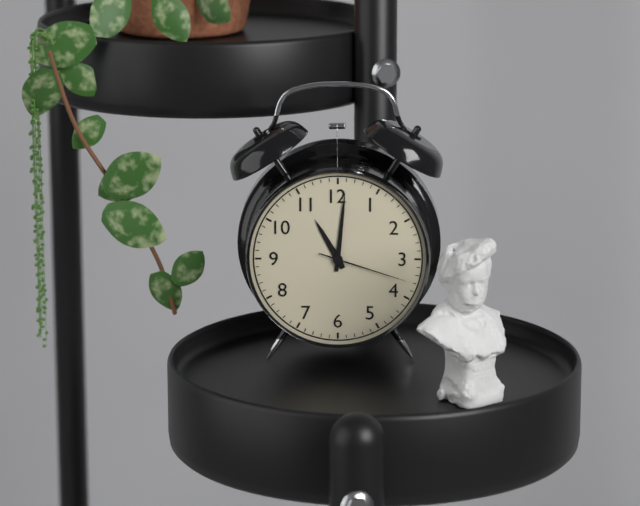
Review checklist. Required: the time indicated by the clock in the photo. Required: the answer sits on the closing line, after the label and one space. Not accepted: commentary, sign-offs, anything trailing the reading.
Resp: 11:01:18
